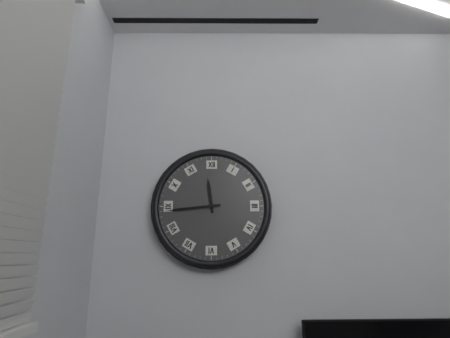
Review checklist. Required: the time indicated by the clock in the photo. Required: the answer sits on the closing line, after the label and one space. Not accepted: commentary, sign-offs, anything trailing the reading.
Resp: 11:44
